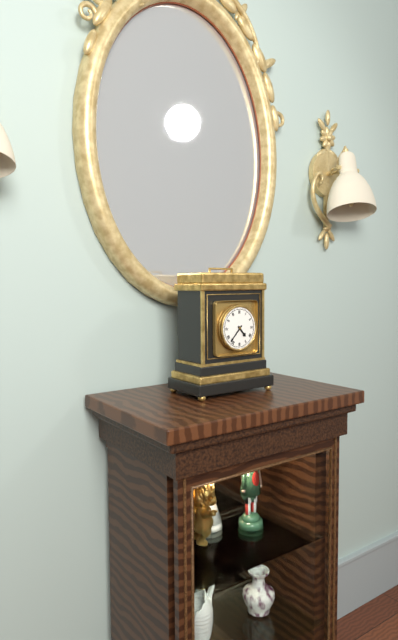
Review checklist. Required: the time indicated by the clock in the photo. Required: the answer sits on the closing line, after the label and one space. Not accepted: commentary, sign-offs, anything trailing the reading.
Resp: 4:37
